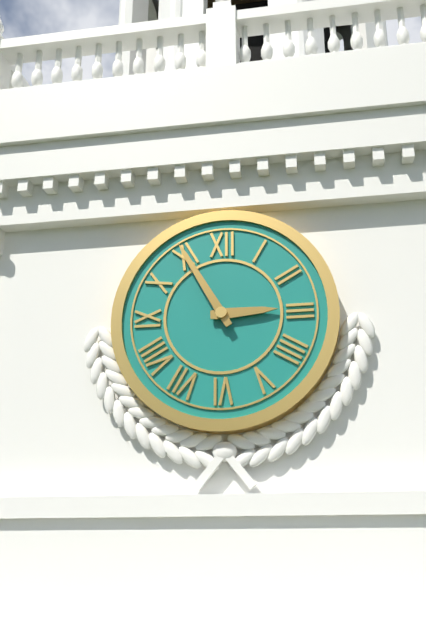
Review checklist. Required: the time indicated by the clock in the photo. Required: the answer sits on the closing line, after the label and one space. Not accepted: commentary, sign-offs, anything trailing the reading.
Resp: 2:55
